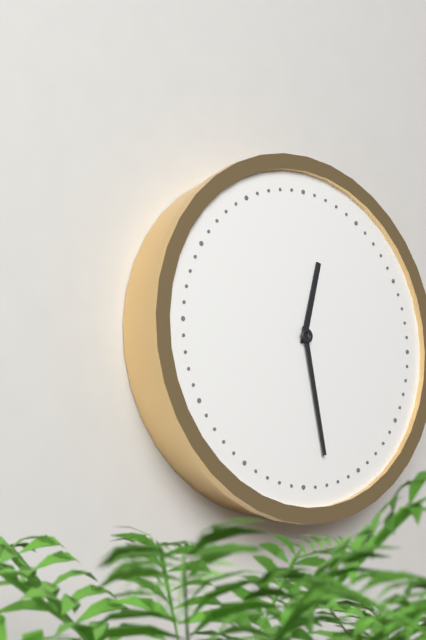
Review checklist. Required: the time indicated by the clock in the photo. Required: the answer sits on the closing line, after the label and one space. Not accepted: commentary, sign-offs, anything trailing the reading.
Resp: 12:28
